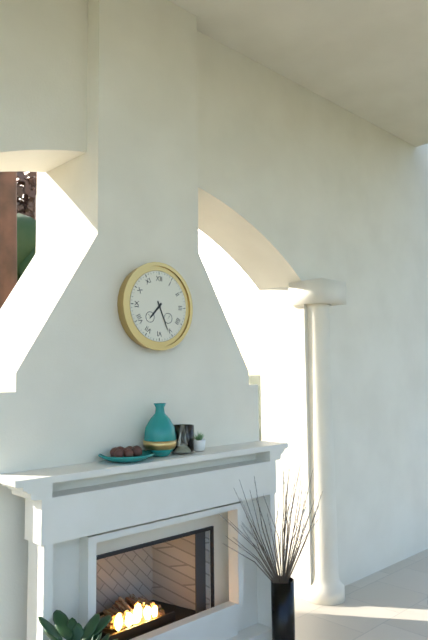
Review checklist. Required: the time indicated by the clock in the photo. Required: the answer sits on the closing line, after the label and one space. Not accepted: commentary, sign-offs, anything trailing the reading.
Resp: 7:26
